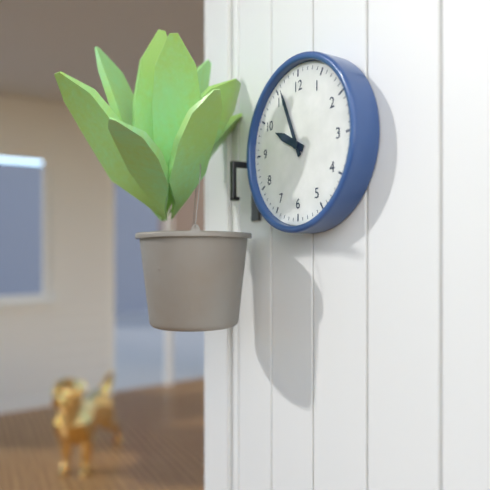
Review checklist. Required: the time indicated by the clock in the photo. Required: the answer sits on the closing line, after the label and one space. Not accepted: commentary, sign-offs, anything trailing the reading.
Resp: 9:56
